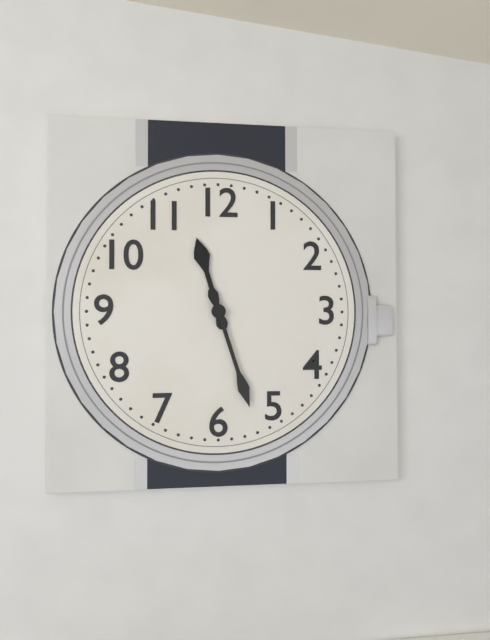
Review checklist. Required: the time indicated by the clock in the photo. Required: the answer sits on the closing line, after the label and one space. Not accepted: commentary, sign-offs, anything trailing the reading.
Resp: 11:27
